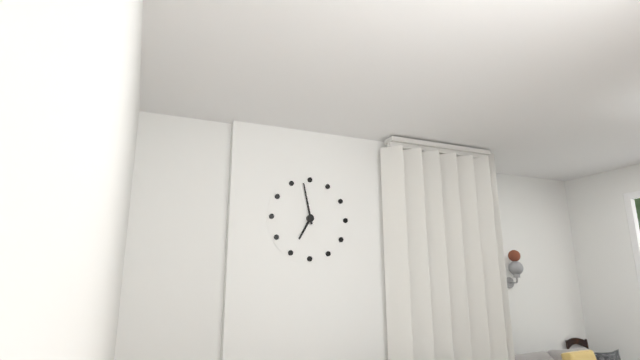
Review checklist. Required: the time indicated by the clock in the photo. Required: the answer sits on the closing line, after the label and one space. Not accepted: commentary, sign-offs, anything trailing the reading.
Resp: 6:58
